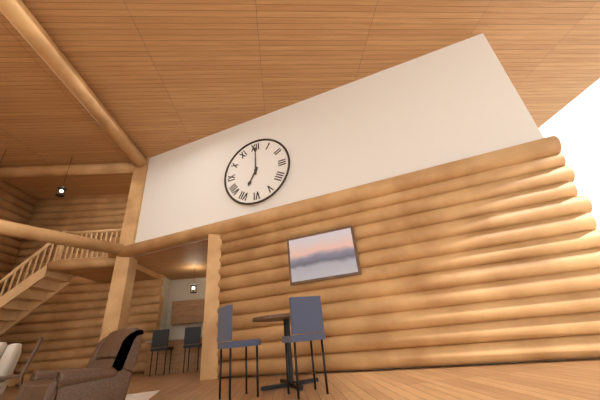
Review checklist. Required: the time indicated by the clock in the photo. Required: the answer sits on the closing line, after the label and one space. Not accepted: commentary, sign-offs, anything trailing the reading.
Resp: 7:00
